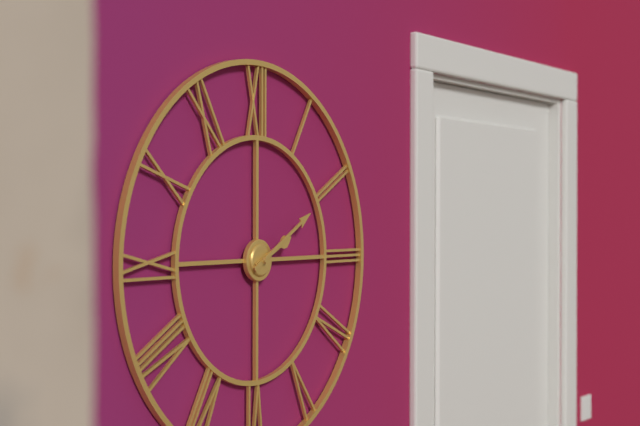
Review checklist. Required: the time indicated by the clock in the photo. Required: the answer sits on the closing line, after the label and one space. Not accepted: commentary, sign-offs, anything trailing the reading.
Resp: 2:10
